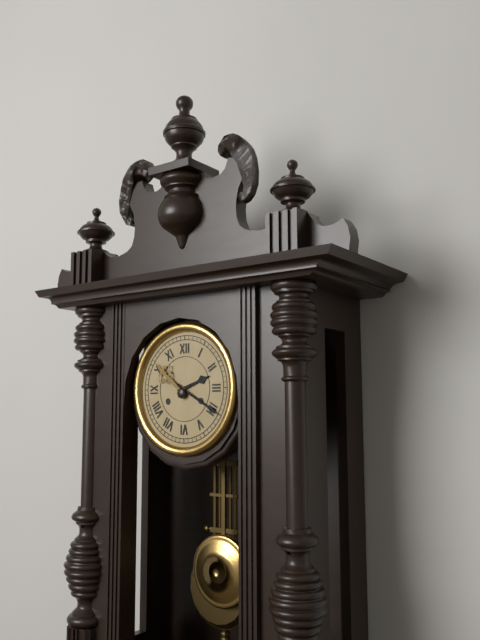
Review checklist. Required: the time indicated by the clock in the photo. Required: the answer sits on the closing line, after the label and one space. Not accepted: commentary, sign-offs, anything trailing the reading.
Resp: 2:20
